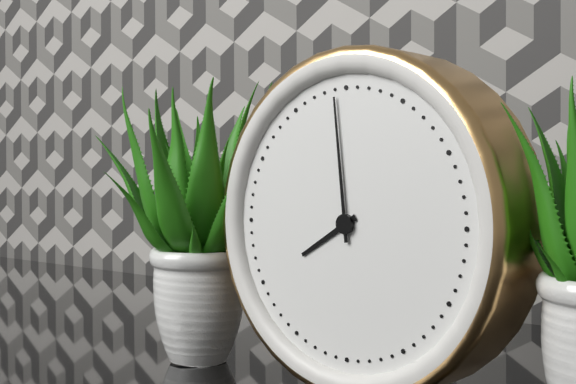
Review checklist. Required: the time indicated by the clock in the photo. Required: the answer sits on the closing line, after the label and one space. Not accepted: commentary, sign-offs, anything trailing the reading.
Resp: 7:59
